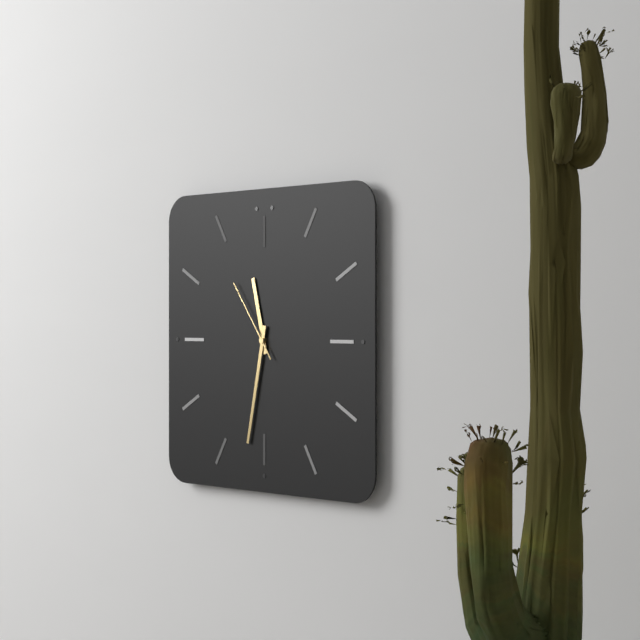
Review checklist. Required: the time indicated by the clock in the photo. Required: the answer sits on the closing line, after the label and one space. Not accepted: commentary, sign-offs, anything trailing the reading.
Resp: 11:32:54
